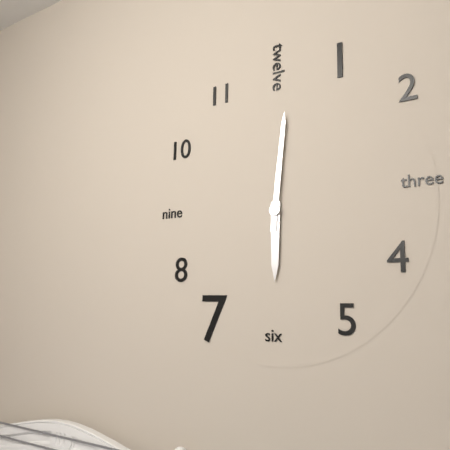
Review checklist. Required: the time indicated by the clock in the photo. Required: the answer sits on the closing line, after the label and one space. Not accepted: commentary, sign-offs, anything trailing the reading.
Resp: 6:01
